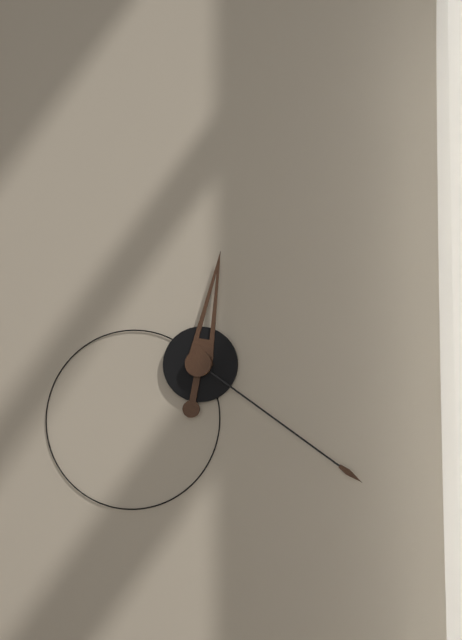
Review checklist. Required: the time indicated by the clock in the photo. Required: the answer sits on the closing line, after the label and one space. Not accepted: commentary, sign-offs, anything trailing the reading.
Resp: 12:21
